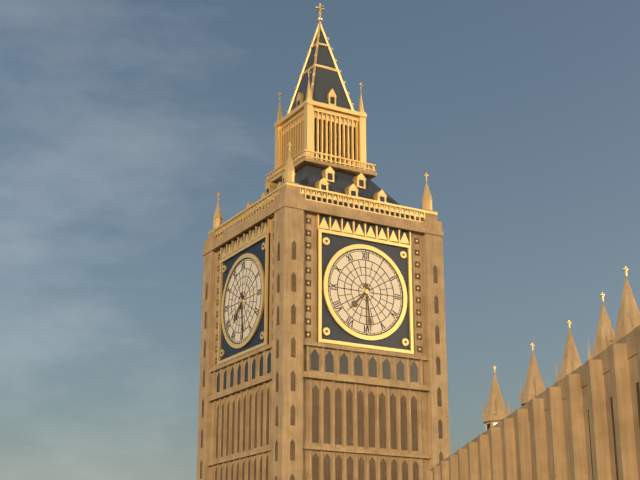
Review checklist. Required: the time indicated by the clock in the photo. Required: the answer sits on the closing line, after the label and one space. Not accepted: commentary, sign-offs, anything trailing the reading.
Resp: 7:29
